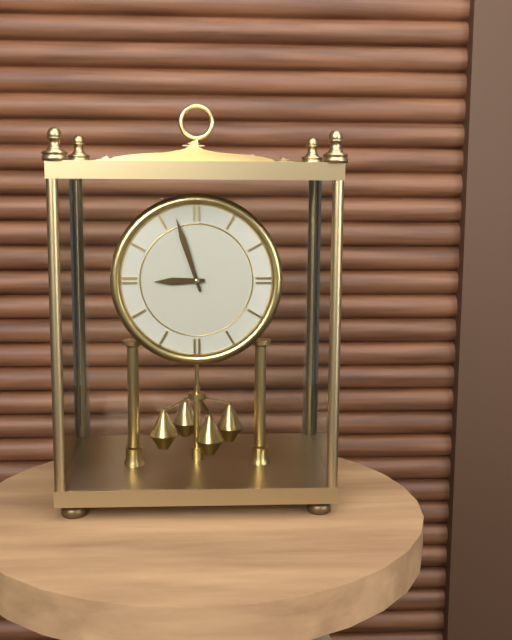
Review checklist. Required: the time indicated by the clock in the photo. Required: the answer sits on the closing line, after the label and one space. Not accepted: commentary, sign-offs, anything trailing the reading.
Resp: 8:57
